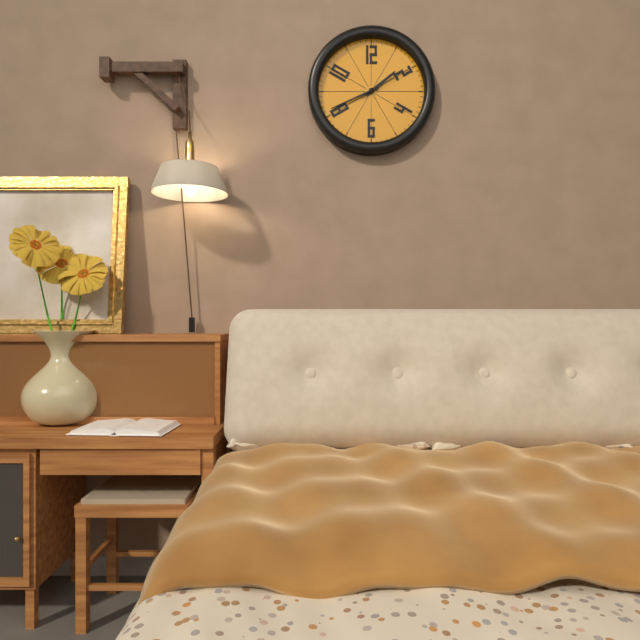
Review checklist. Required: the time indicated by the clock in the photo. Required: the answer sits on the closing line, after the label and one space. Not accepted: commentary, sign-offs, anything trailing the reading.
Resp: 1:41:10
